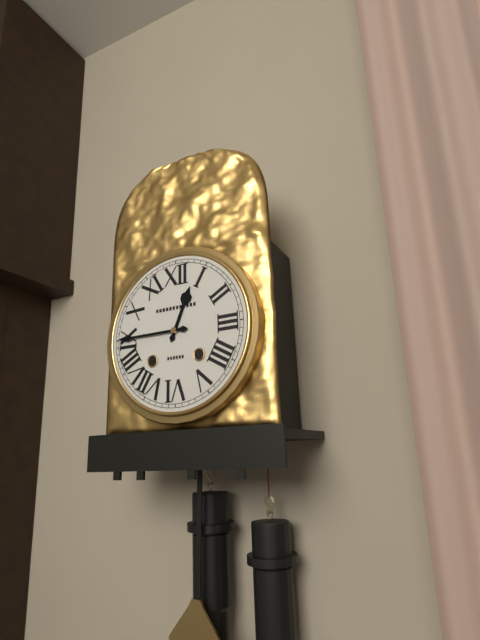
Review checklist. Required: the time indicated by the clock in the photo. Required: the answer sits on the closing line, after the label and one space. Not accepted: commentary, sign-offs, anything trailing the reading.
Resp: 12:45
